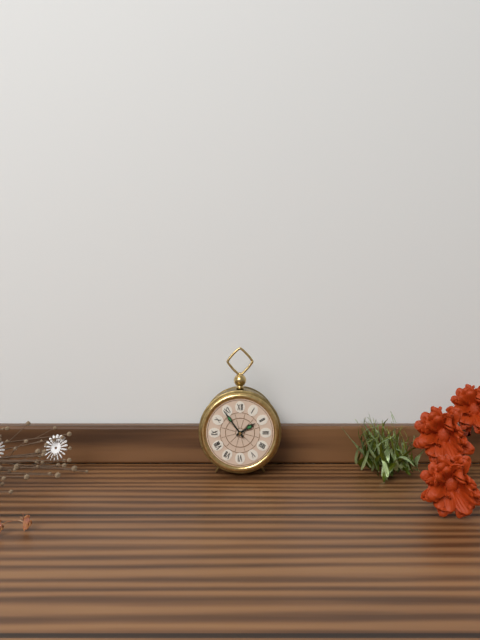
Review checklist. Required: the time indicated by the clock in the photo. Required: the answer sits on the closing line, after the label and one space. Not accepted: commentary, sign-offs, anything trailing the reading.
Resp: 1:54
